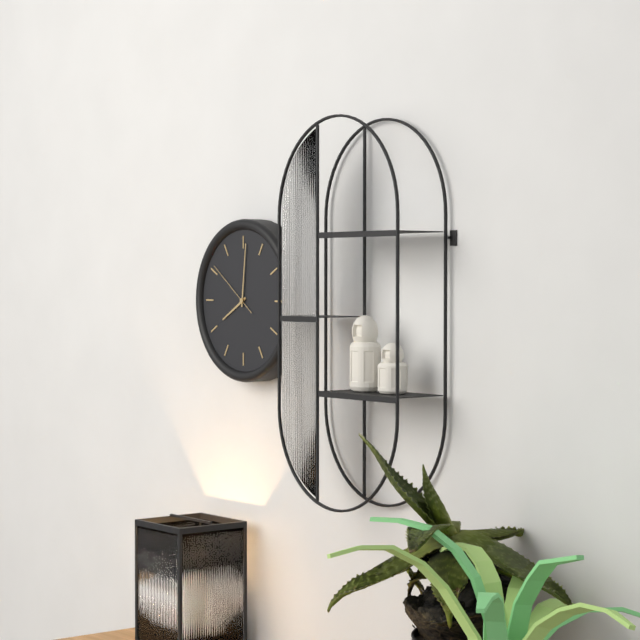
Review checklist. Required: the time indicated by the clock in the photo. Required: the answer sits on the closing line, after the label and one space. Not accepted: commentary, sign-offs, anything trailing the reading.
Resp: 8:01:51
